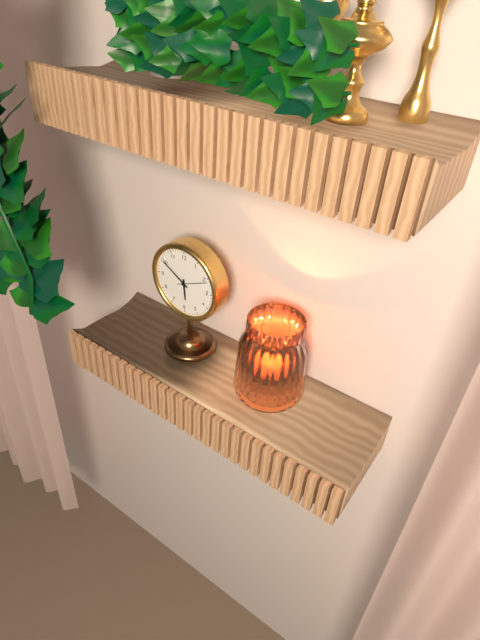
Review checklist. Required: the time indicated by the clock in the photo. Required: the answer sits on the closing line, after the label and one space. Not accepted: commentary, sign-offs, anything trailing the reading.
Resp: 5:50
